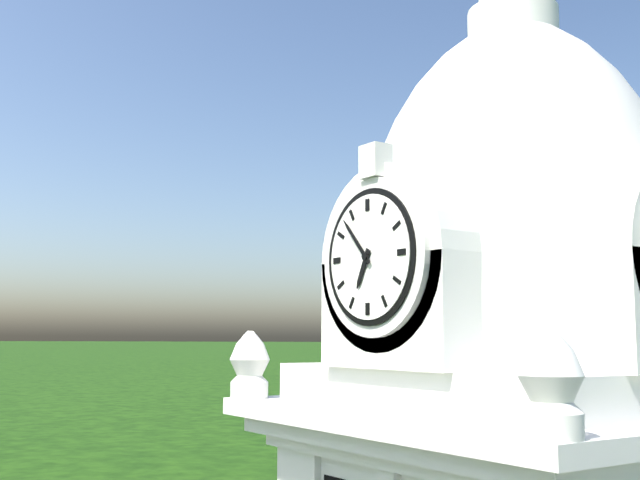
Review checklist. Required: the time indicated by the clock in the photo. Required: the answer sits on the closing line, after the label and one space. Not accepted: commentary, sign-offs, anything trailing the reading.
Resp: 6:53
